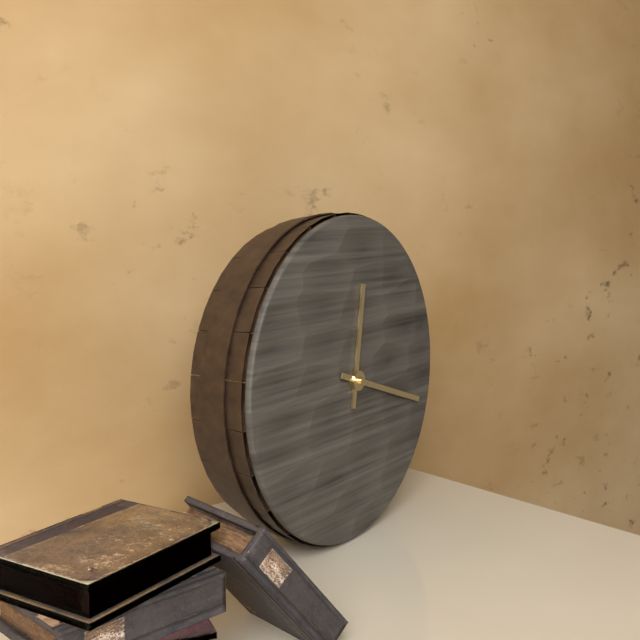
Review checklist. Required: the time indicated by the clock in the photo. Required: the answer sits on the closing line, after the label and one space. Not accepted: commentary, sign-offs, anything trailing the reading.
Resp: 12:18
